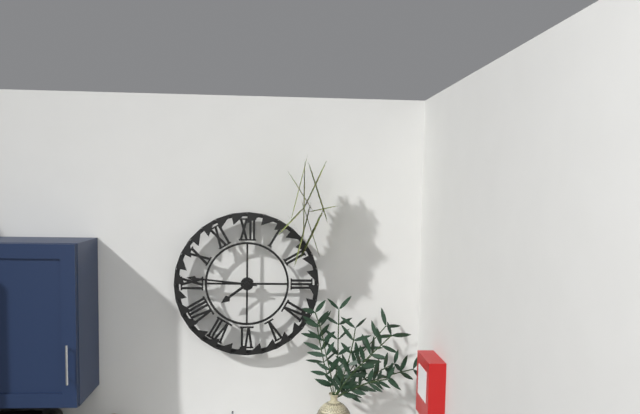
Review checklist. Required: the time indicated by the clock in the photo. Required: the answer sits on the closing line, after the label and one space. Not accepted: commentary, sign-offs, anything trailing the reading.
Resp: 7:46
